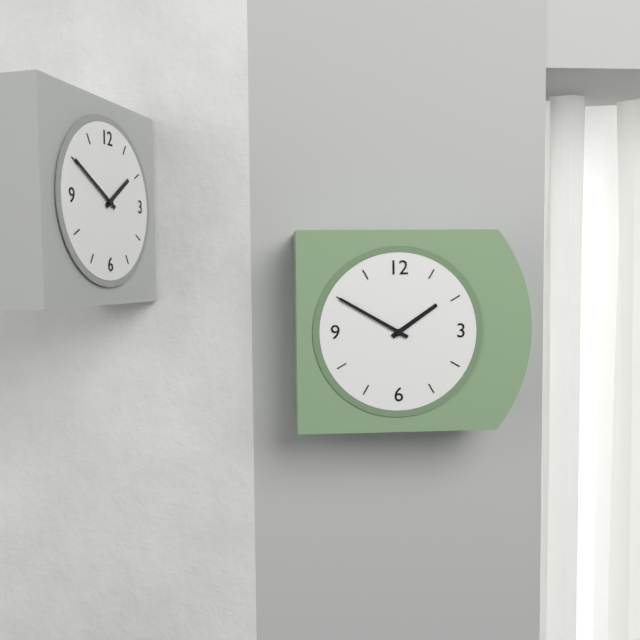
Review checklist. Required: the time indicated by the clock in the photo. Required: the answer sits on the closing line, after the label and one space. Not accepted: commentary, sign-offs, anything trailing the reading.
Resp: 1:50
